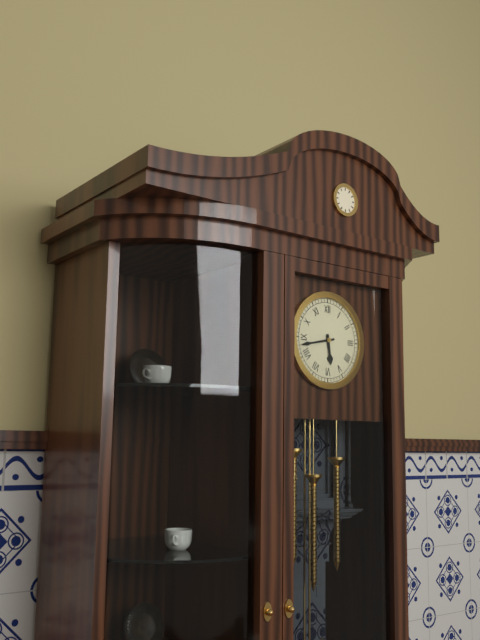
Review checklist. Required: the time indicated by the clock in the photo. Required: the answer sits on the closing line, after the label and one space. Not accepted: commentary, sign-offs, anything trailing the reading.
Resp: 5:43
